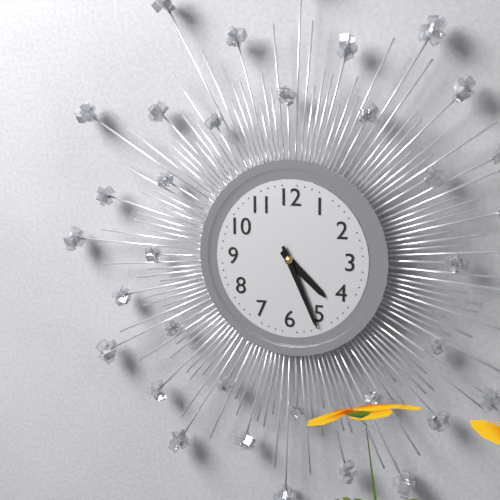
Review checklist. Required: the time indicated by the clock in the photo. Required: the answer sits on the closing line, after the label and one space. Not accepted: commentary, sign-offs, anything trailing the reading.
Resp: 4:26
